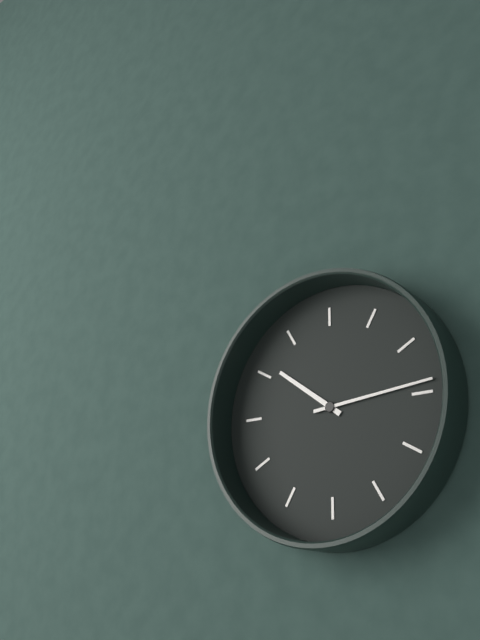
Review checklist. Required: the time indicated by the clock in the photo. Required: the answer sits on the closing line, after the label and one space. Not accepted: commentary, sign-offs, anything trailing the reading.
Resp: 10:14
